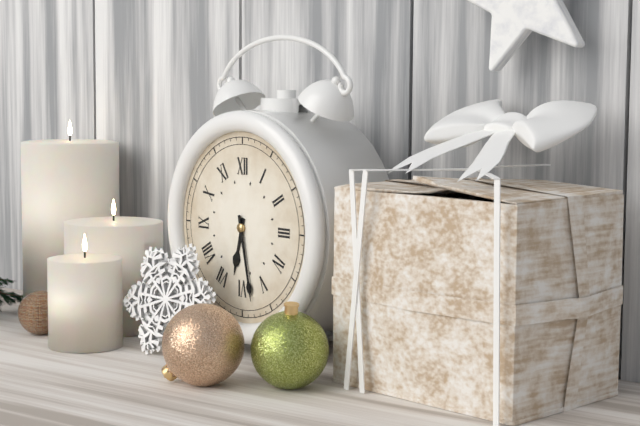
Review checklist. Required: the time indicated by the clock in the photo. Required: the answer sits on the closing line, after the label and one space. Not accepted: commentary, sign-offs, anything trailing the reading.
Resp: 6:28
